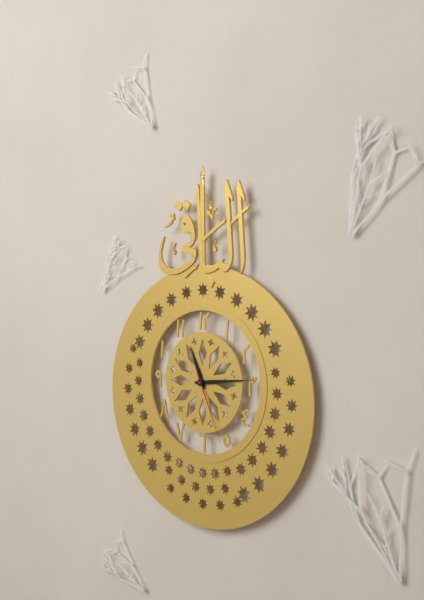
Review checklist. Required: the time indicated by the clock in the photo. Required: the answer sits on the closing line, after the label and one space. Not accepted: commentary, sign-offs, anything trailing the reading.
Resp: 11:14:26
